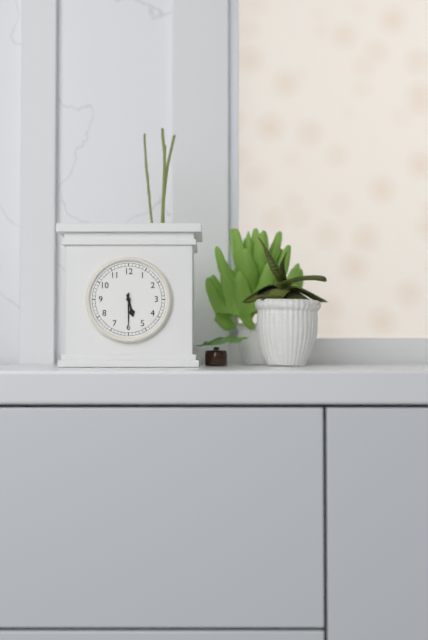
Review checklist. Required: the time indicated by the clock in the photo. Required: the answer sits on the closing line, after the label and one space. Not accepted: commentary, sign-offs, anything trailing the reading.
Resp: 5:30
